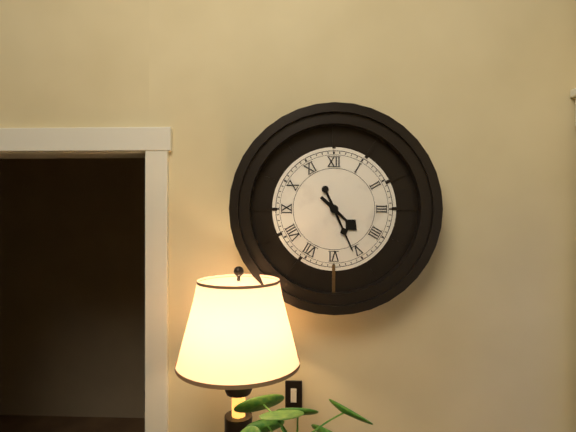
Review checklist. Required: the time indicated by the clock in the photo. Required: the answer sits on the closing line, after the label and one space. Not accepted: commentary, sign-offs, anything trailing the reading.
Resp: 4:26
